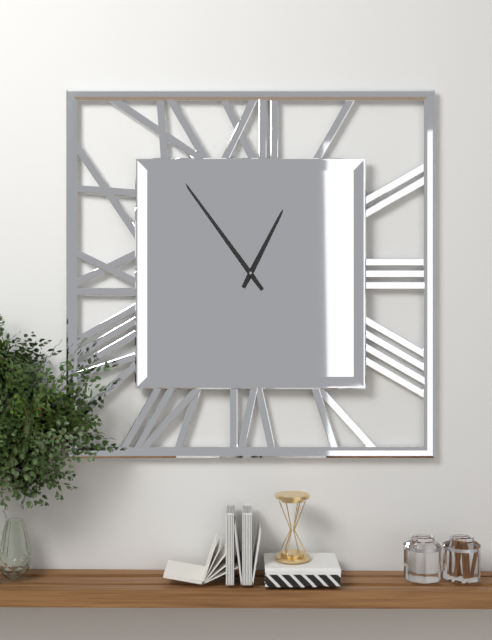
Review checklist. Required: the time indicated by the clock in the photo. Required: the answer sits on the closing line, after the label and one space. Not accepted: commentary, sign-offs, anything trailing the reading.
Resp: 12:54
